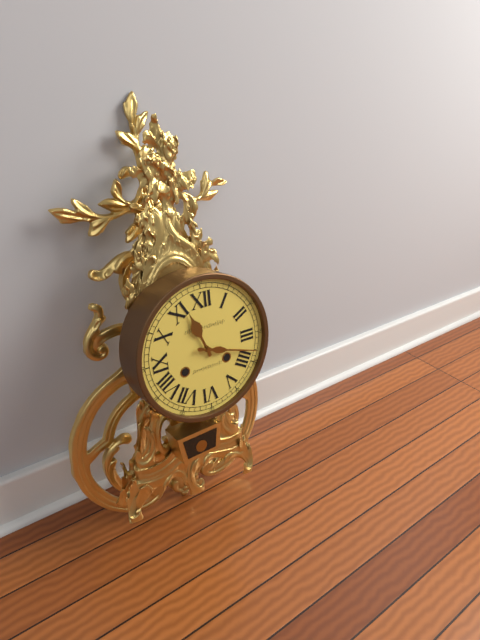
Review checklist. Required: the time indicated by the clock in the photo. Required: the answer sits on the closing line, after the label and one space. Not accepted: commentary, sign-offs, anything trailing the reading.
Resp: 11:18
